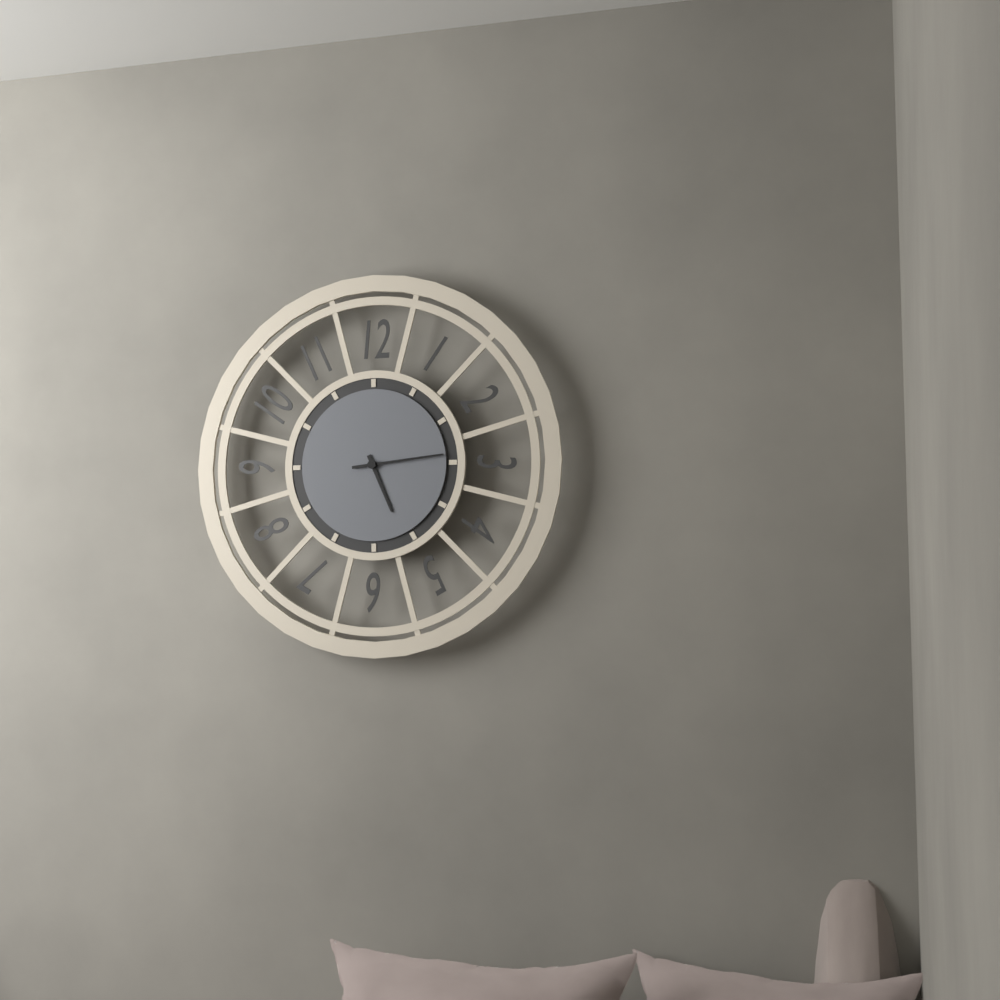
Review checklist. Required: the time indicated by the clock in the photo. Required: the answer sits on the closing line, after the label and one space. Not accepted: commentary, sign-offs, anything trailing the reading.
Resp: 5:14
